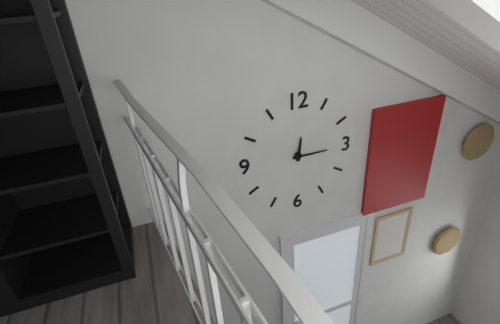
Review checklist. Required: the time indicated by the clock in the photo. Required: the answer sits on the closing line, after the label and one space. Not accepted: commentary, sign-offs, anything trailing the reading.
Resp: 12:15
